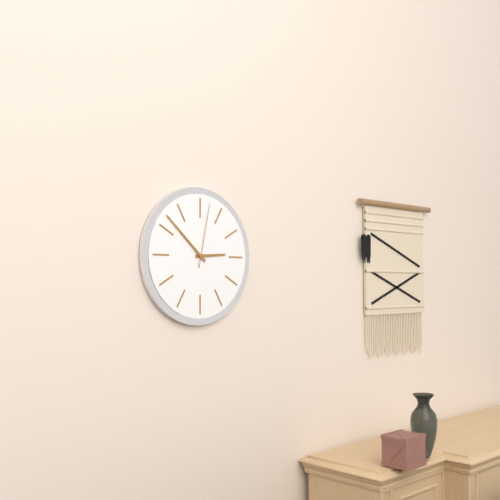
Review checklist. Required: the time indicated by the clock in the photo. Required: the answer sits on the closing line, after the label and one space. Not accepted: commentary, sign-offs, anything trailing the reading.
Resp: 2:52:02
